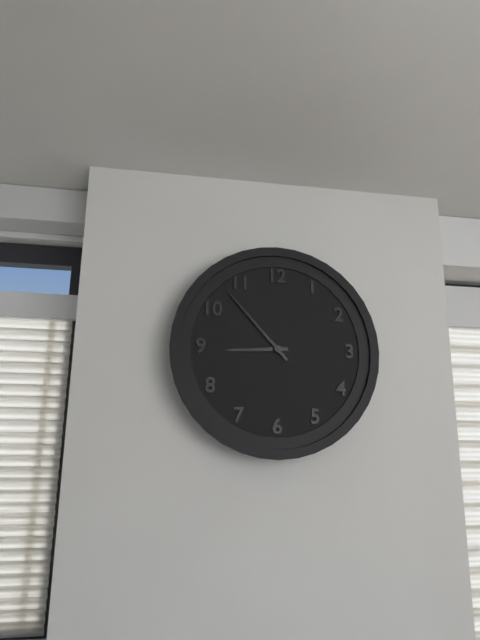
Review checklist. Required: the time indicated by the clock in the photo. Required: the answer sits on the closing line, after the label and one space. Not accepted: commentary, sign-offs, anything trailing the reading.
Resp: 8:53
